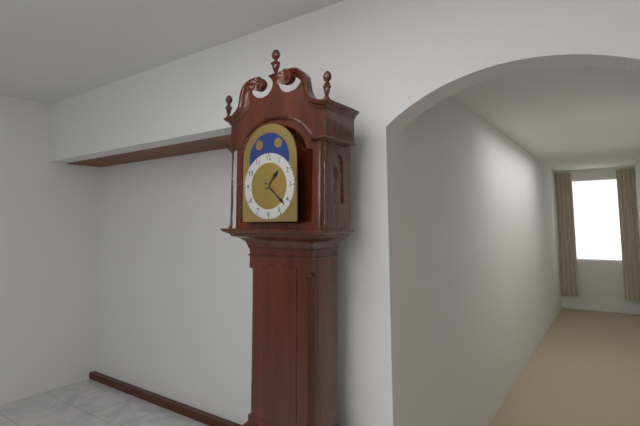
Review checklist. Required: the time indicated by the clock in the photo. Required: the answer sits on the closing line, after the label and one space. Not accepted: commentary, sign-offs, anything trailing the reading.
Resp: 1:22
